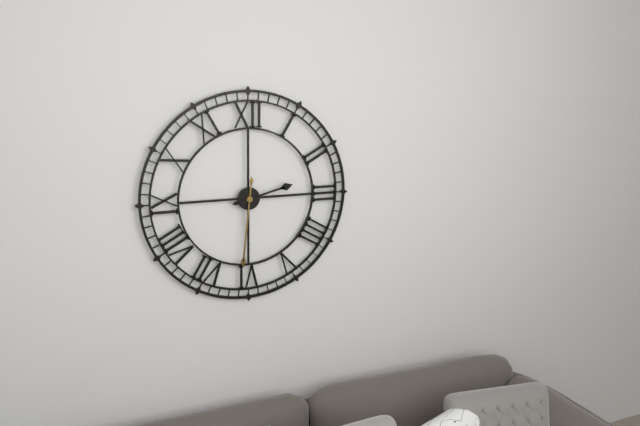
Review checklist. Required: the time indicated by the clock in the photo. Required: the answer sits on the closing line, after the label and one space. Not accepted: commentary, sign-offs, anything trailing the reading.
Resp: 2:31
